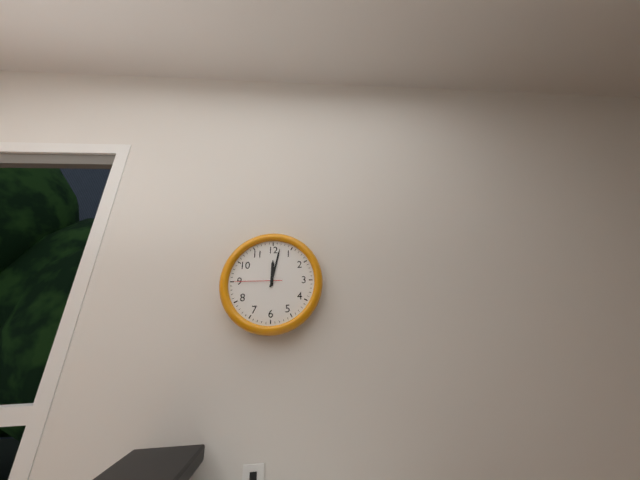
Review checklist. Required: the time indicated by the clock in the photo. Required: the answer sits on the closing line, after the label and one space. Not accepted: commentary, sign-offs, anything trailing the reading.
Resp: 12:02
